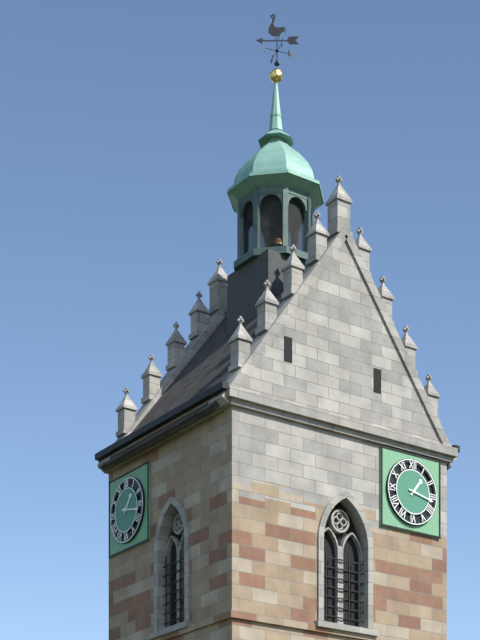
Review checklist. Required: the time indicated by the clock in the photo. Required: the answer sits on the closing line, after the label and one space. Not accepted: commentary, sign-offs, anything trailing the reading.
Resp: 1:17
